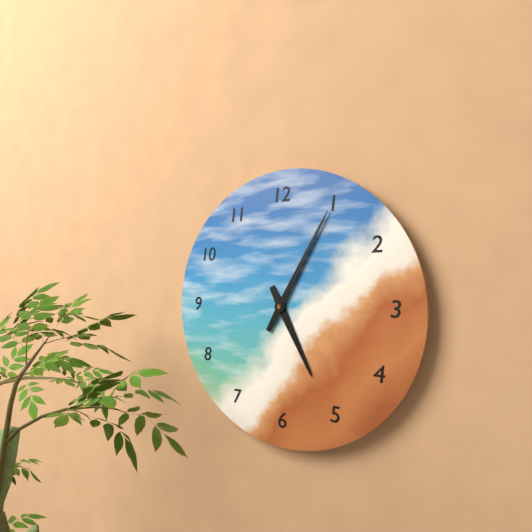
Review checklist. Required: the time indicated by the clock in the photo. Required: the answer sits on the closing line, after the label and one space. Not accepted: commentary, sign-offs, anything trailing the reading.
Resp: 5:05
